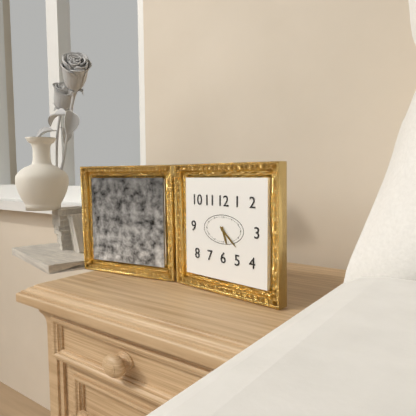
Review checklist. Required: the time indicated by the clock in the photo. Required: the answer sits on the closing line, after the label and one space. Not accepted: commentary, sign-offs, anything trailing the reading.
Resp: 5:22
